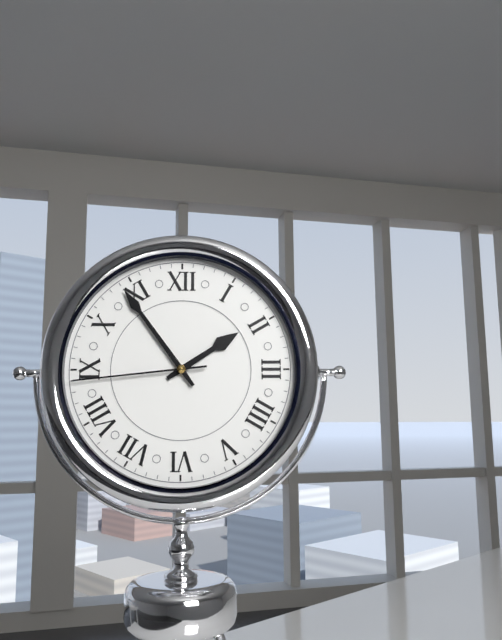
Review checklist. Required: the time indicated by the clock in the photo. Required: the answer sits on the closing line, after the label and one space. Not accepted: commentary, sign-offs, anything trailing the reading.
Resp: 1:54:44
